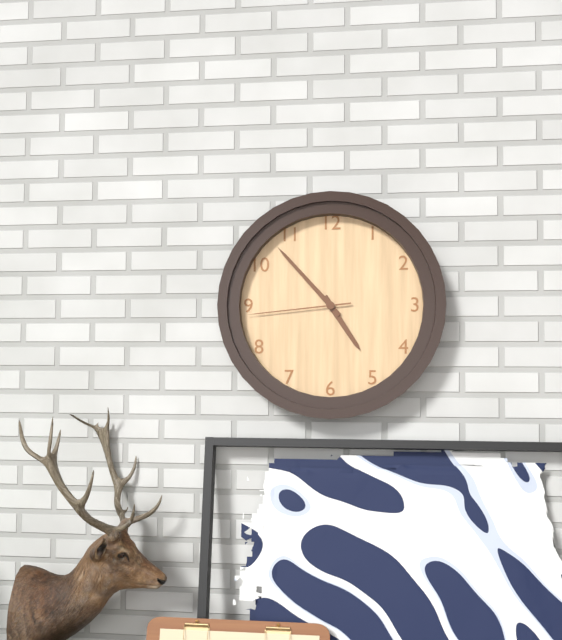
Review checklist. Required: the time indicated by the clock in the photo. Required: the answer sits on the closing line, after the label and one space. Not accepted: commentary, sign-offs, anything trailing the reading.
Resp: 4:53:44
